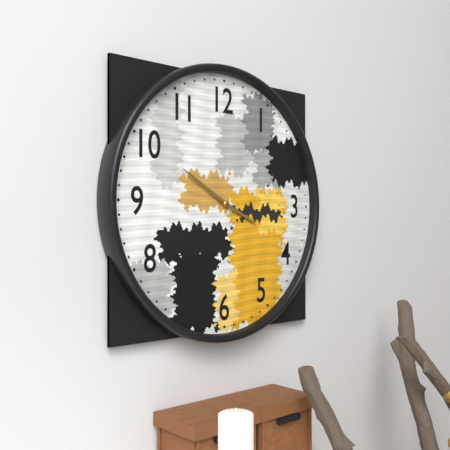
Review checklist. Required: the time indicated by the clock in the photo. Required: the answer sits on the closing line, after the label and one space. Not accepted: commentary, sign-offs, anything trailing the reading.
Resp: 3:50
